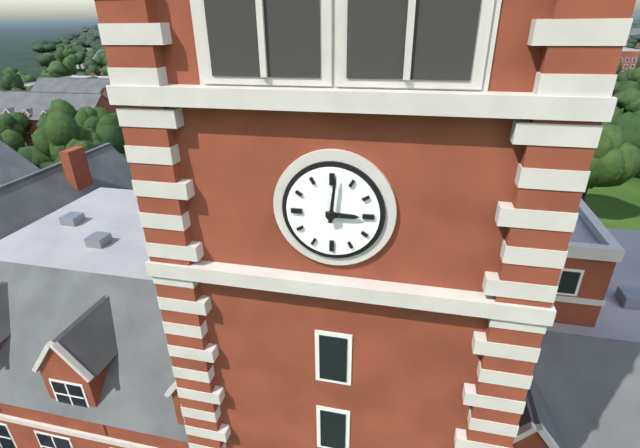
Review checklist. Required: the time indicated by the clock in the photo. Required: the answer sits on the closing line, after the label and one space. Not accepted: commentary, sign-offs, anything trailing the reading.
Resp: 3:01
